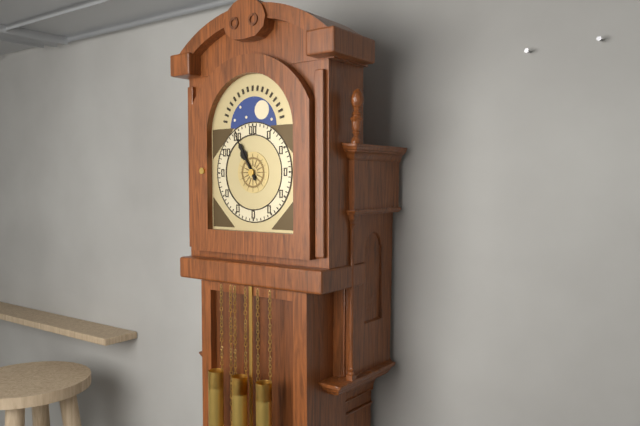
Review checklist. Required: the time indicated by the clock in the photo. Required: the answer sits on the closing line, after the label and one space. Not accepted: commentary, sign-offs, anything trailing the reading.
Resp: 10:55
